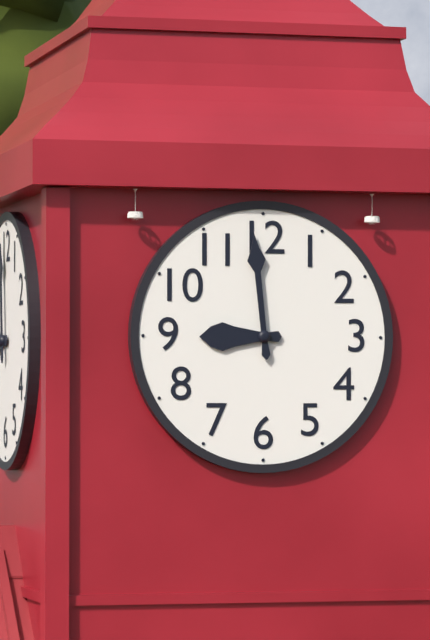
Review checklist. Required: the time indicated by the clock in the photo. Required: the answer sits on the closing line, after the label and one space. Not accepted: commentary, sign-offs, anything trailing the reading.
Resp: 8:59
